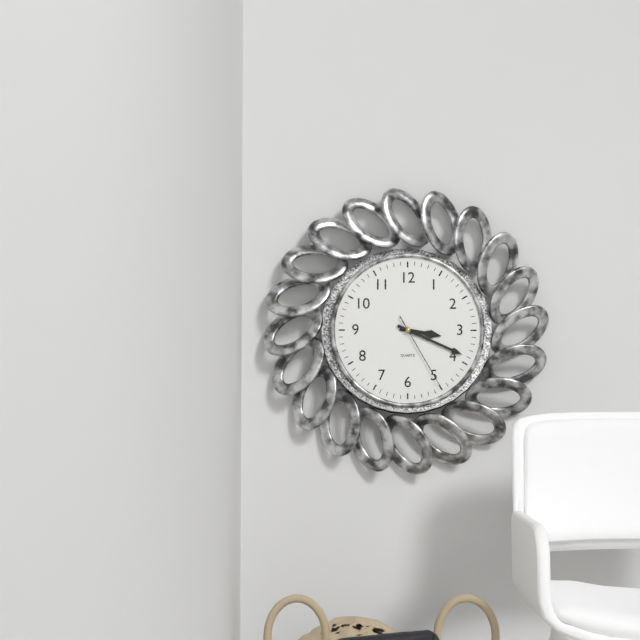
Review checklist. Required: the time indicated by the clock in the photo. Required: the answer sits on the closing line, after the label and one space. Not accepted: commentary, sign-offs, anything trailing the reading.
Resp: 3:19:25
